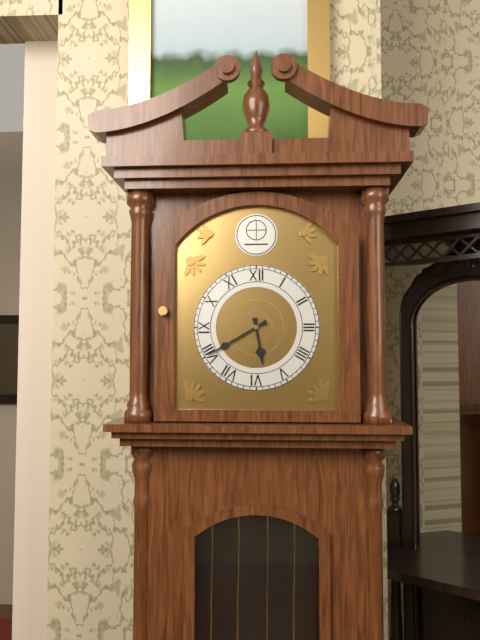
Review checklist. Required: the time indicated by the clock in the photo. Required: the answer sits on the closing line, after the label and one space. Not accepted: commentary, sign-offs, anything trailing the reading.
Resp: 5:40
